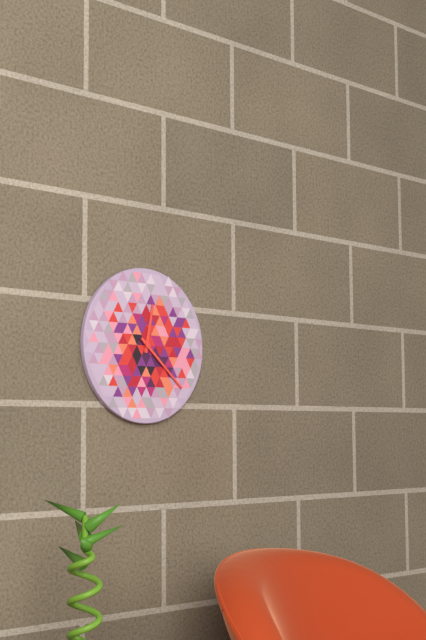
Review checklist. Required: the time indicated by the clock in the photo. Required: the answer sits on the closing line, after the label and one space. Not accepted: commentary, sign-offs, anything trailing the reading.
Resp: 12:22
